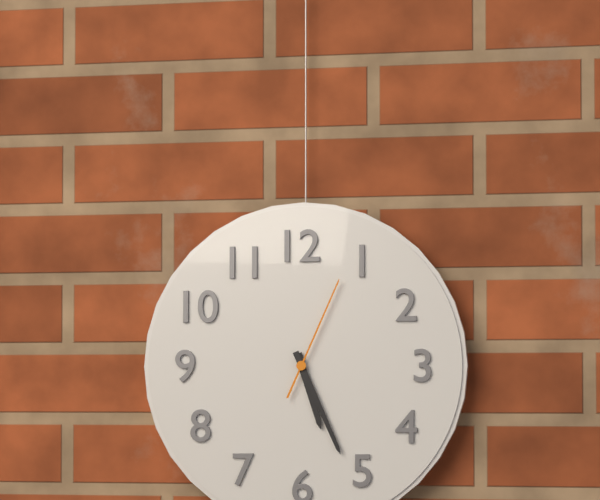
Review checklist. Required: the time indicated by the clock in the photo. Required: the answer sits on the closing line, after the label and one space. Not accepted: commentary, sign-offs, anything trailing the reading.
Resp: 5:26:04
